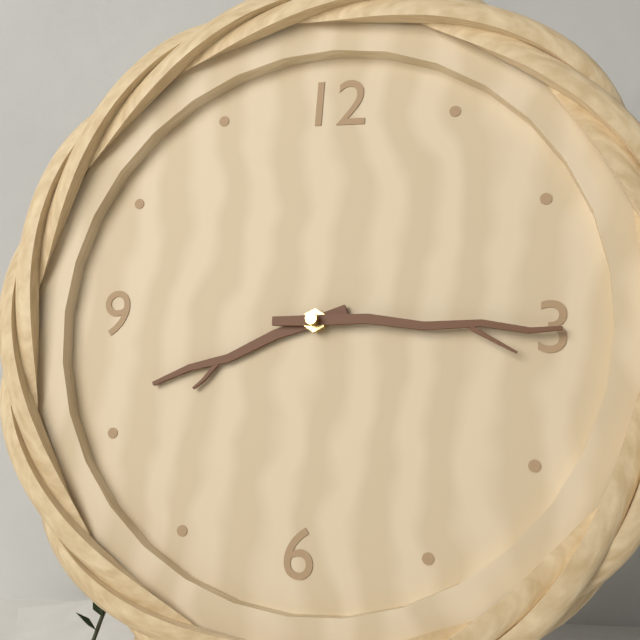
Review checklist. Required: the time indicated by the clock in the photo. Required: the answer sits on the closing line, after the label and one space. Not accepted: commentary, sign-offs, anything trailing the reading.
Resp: 8:15
